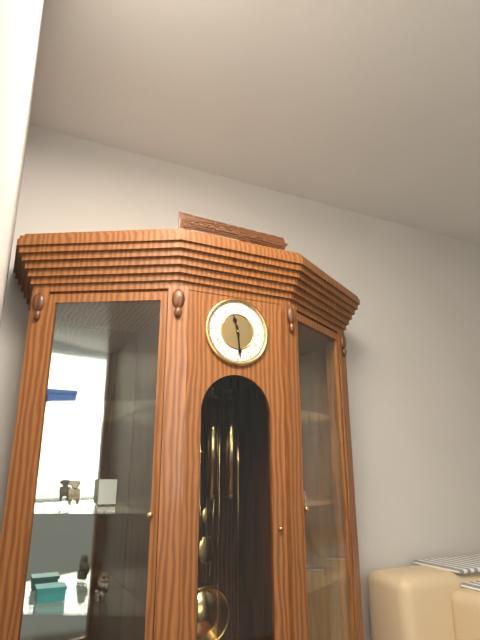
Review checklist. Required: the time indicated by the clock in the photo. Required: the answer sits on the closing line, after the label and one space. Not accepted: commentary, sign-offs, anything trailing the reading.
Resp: 11:29
